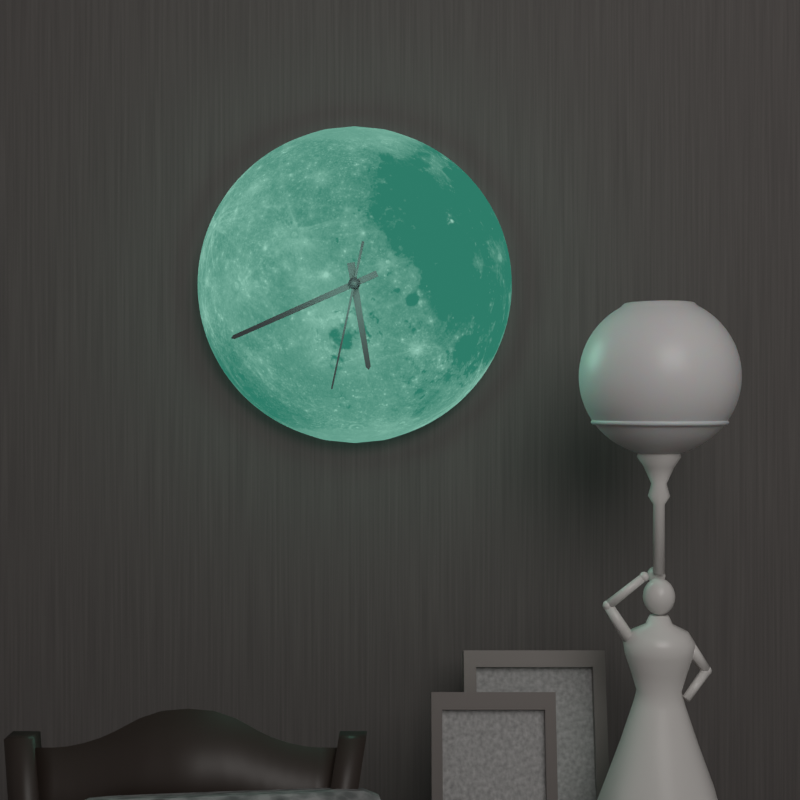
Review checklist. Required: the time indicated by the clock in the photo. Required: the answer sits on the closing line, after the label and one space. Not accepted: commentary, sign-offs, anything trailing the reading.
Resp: 5:41:32
